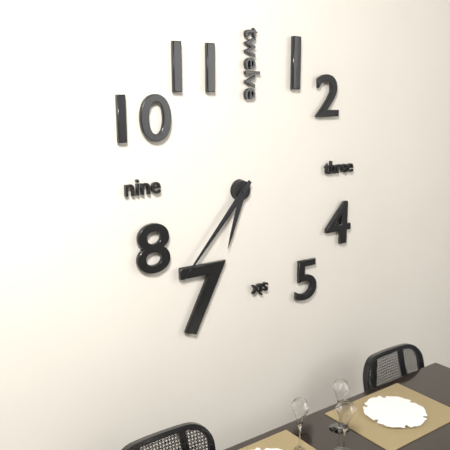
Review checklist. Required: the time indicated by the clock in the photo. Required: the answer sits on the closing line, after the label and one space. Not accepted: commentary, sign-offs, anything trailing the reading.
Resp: 6:37
